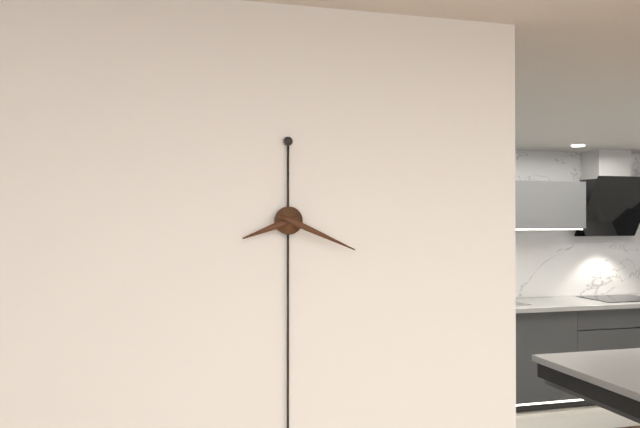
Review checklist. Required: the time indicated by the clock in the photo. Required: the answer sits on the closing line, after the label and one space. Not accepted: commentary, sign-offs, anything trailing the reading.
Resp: 8:19
